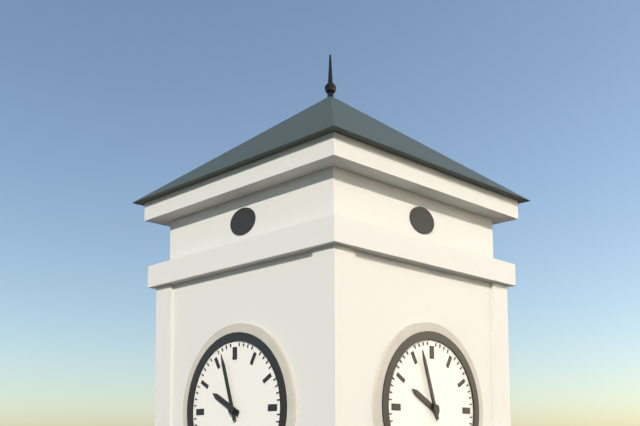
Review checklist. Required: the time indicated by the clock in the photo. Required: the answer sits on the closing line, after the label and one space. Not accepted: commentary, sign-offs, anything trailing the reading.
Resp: 9:57
